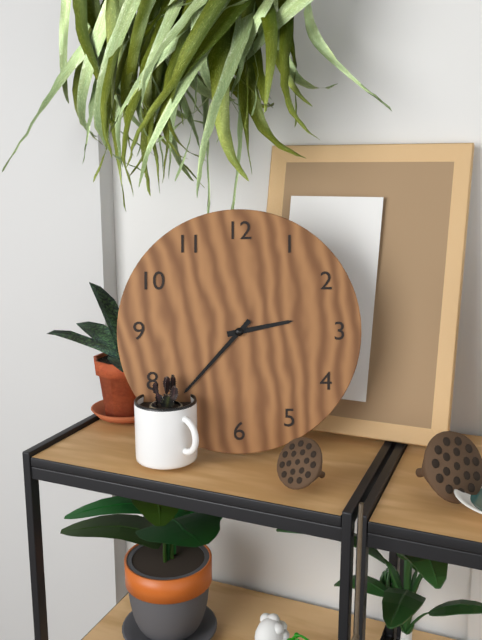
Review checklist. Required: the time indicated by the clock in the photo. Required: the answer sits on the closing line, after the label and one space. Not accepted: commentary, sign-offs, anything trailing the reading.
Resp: 2:37
